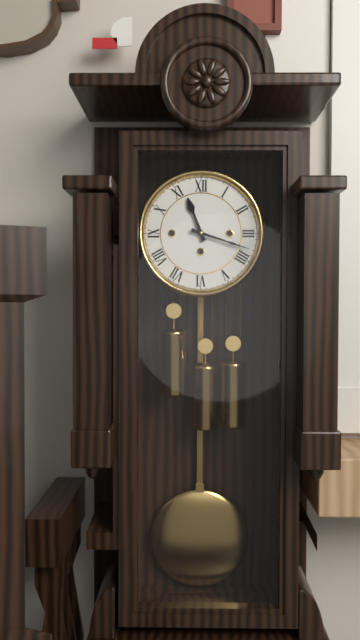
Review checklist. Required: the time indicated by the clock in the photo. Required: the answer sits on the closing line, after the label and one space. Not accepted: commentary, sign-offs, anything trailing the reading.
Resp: 11:18
